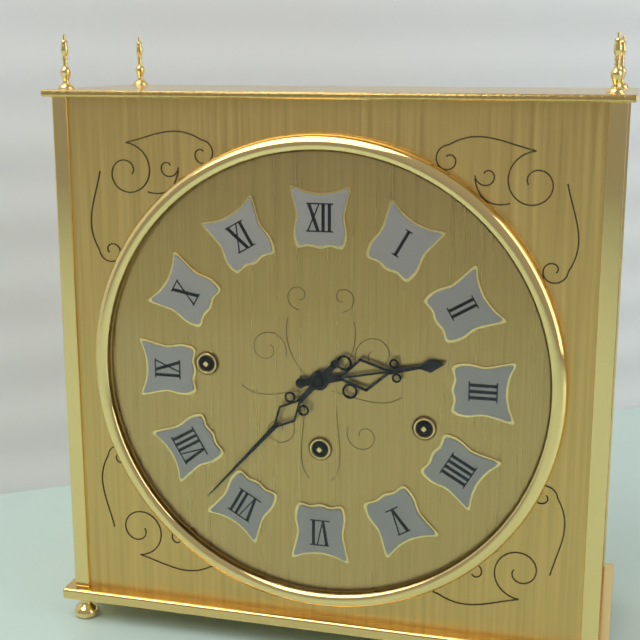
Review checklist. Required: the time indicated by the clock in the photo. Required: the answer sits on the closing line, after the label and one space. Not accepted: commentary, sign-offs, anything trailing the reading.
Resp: 2:37
